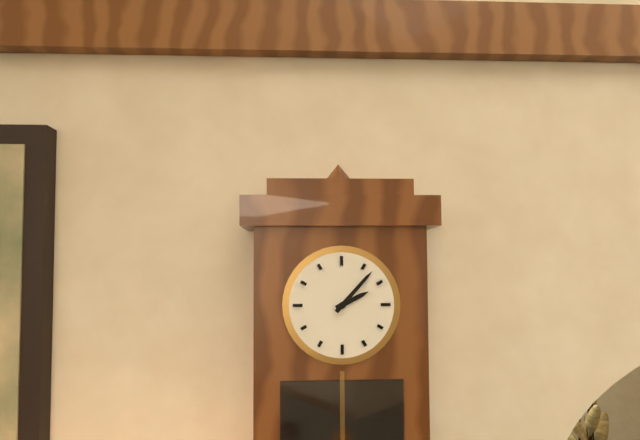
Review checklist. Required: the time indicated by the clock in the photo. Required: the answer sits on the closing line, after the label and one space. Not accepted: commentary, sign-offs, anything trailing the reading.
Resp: 2:07
